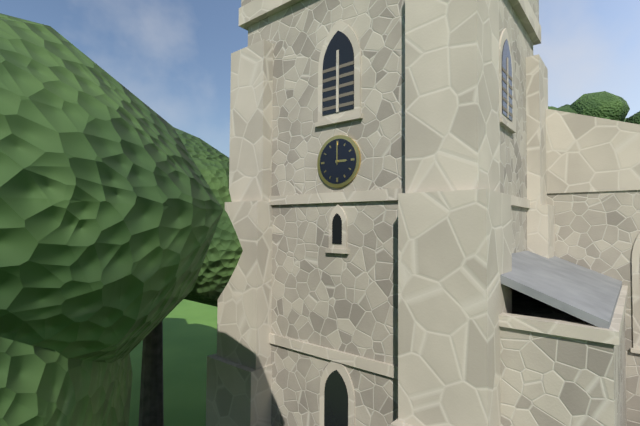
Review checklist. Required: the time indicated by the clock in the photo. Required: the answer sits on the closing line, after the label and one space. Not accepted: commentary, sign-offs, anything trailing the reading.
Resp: 3:00
